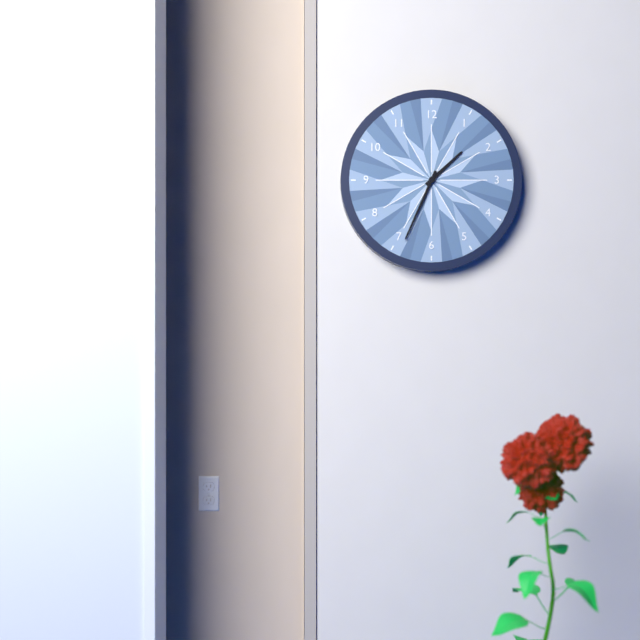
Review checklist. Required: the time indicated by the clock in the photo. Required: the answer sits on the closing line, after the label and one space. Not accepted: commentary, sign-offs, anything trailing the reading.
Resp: 1:34
